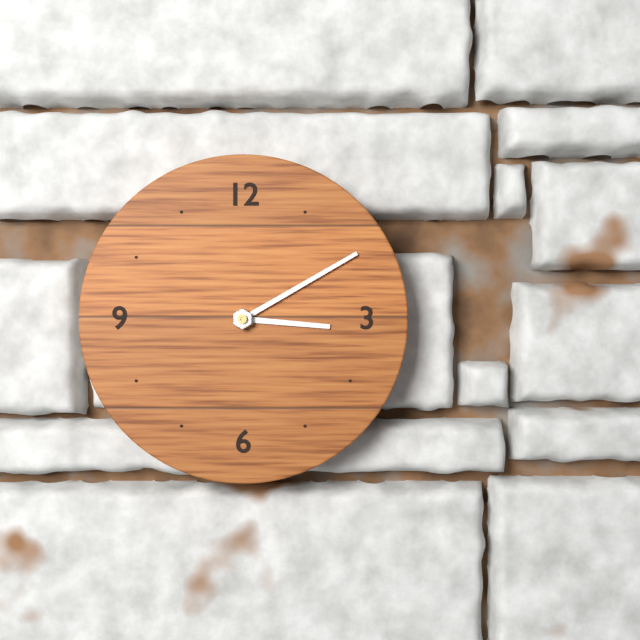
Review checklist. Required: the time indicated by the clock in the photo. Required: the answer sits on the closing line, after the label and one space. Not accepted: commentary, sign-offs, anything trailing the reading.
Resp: 3:10
